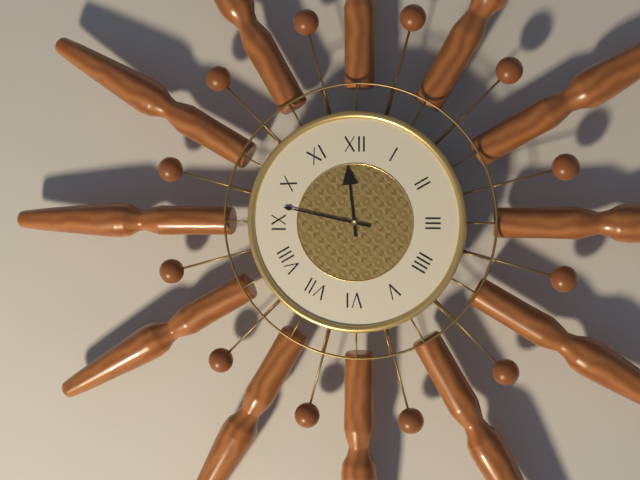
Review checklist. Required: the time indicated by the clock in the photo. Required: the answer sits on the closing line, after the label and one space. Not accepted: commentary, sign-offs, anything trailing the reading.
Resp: 11:47
